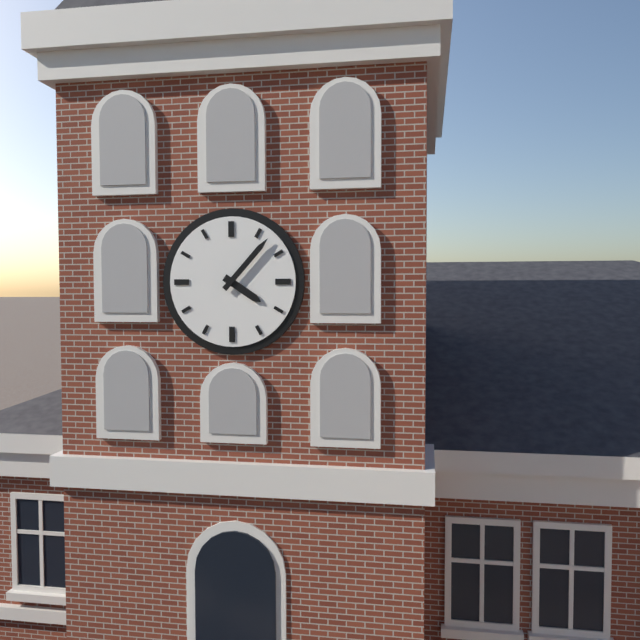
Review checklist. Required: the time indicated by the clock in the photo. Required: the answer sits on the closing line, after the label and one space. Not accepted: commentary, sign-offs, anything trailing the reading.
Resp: 4:07
